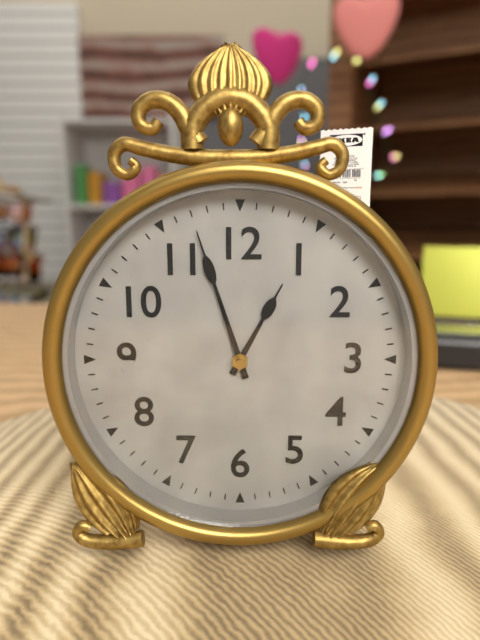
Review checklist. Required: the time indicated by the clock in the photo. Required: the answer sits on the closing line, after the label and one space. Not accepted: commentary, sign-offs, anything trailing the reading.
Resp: 12:57
